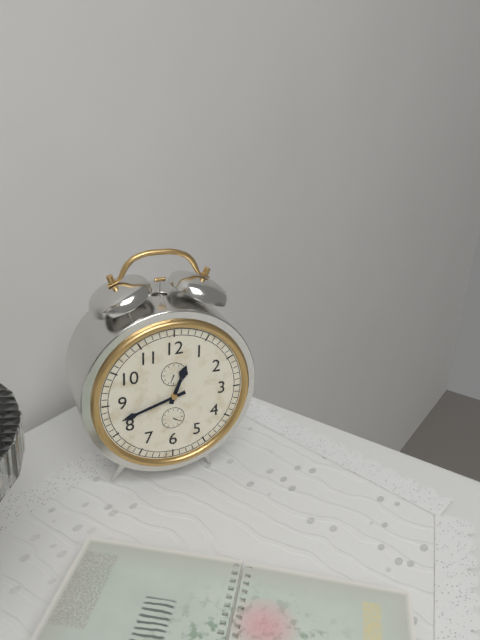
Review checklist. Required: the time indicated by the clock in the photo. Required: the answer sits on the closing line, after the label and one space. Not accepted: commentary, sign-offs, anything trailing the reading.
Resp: 12:42
